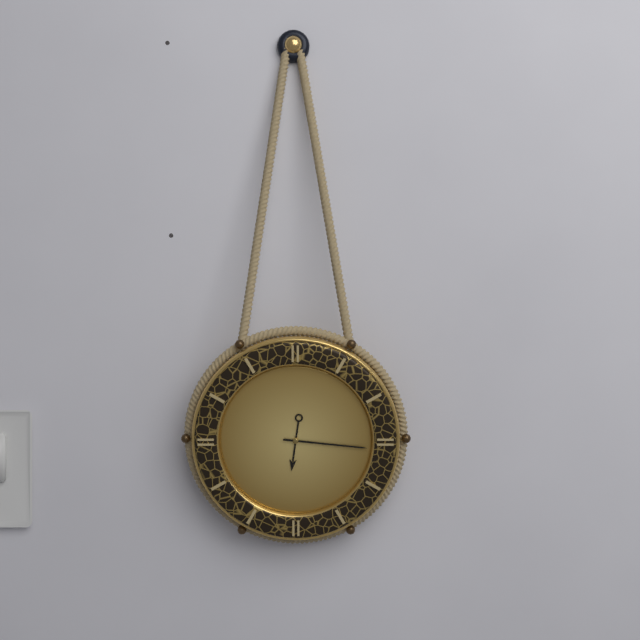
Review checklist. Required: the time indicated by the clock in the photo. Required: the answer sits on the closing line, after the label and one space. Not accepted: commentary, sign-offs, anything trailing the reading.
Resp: 6:16
